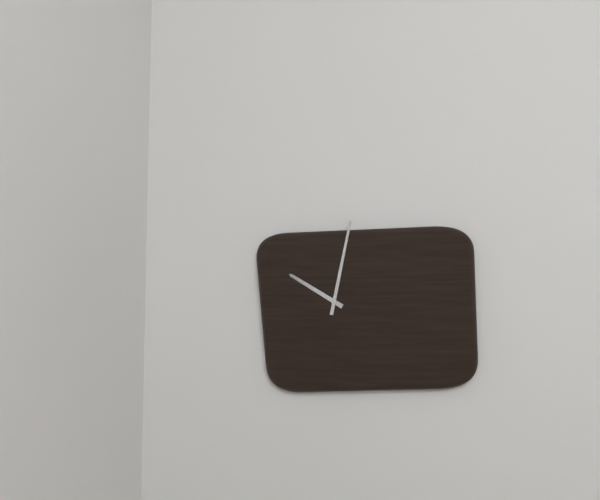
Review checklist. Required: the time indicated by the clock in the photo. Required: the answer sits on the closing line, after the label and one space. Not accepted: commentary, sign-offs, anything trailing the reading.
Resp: 10:02
